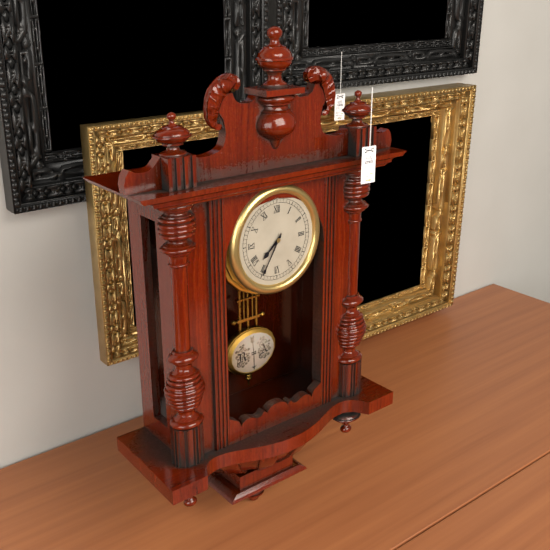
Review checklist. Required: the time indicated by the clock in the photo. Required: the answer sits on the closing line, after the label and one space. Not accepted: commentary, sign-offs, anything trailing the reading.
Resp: 7:35
